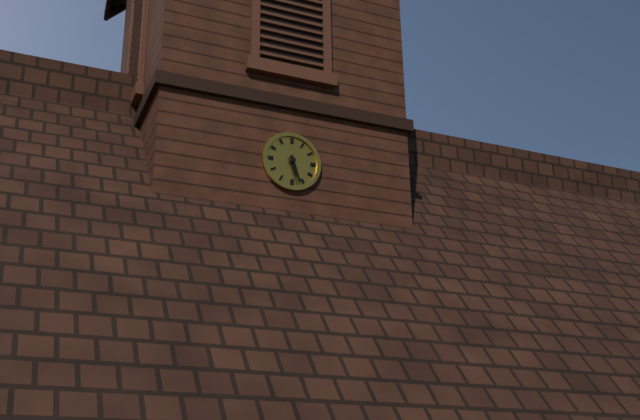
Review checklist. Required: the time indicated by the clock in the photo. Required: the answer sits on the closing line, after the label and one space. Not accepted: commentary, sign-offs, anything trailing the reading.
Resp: 5:27
